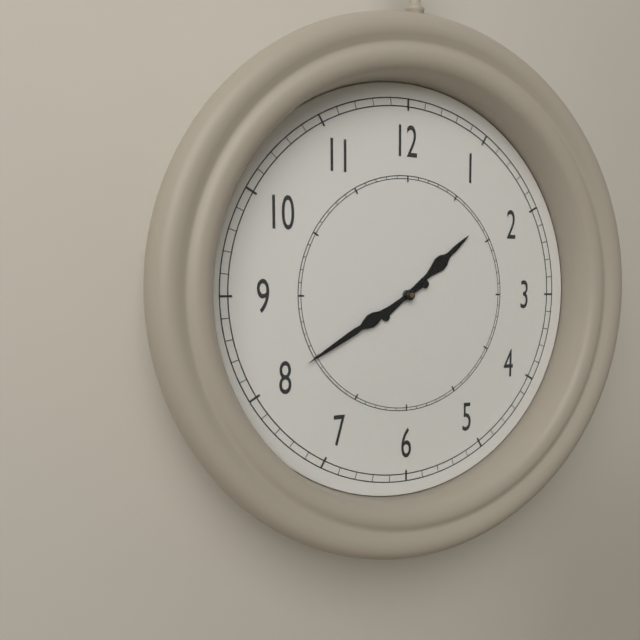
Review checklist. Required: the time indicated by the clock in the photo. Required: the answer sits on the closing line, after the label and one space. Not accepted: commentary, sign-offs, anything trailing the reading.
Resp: 1:40
